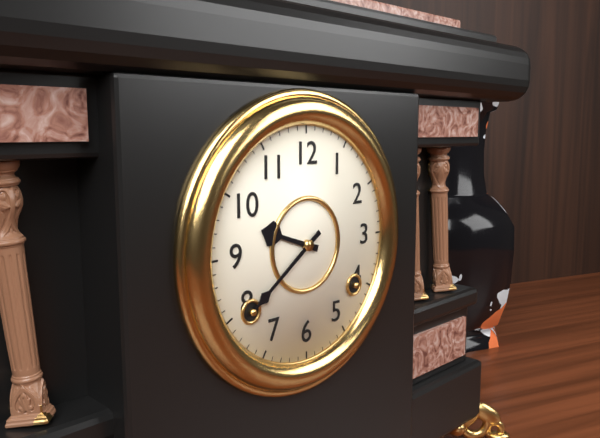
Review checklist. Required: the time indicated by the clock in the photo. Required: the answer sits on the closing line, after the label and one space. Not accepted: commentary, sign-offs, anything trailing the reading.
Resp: 9:39
